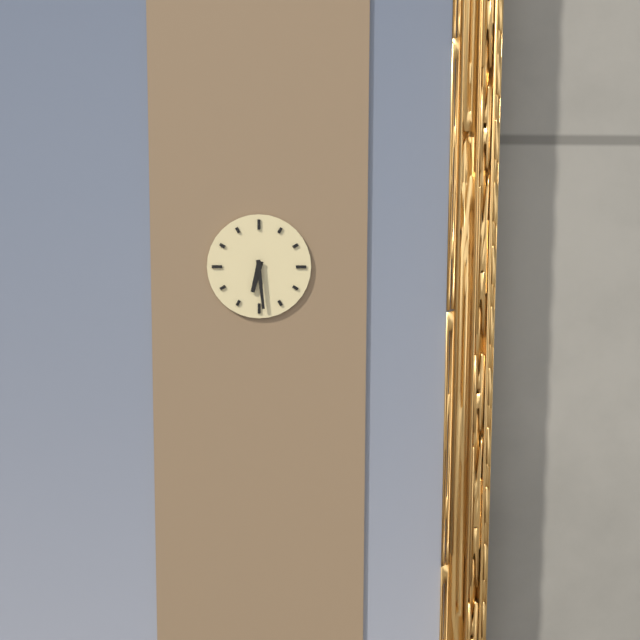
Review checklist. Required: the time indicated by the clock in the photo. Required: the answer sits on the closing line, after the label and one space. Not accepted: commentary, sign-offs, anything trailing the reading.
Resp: 6:29
